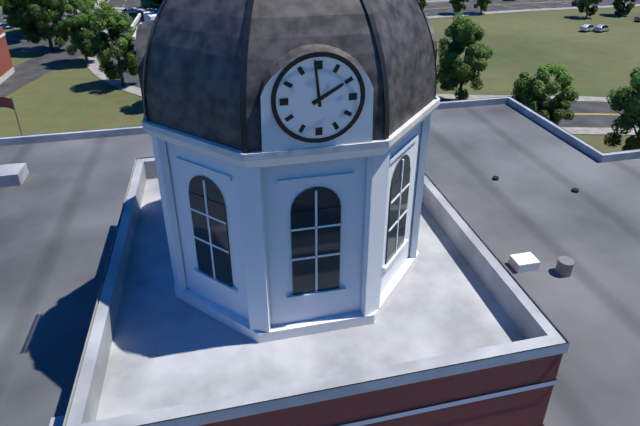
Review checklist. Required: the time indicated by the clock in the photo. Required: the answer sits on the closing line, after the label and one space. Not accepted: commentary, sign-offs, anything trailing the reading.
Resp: 1:59
